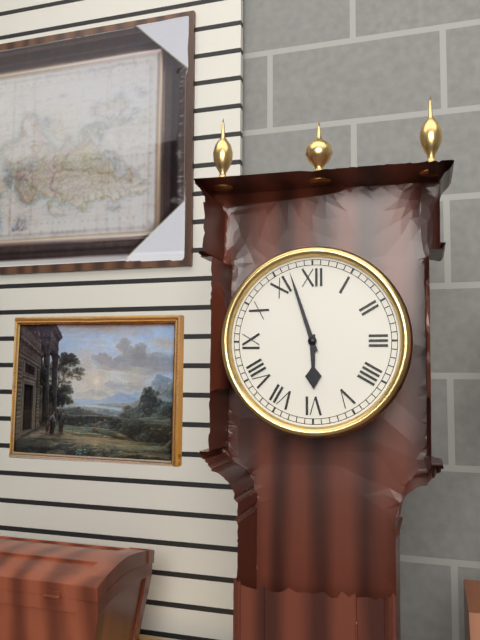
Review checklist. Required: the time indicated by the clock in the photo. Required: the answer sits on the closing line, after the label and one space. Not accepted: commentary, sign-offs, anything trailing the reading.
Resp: 5:57
